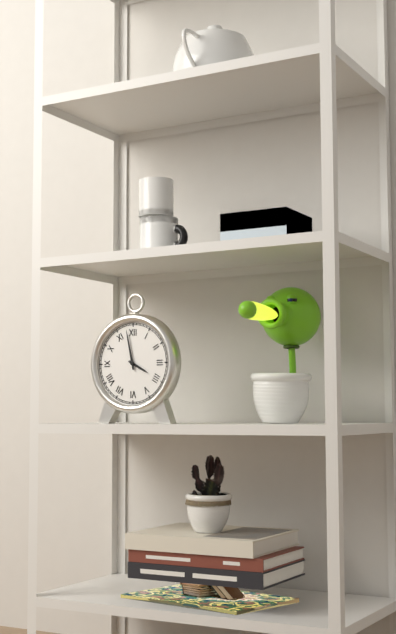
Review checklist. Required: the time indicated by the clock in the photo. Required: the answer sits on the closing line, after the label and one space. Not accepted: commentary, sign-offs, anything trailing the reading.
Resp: 3:58
